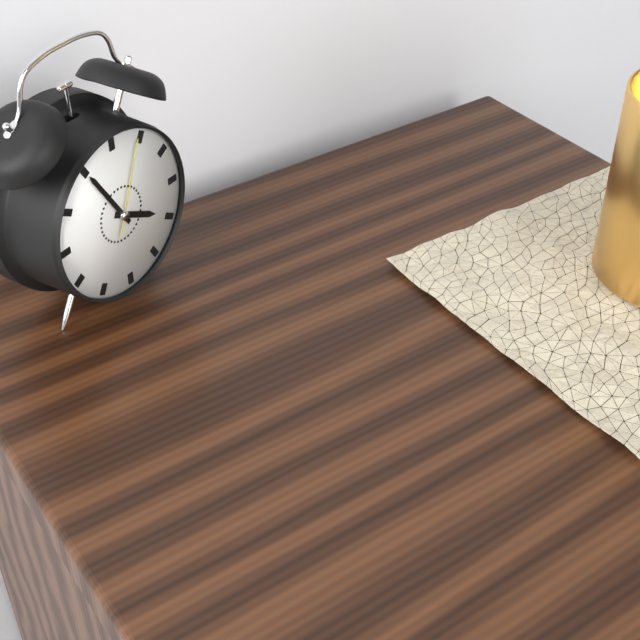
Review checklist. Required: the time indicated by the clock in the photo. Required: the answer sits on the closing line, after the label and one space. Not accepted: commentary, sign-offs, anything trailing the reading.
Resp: 3:55:04
